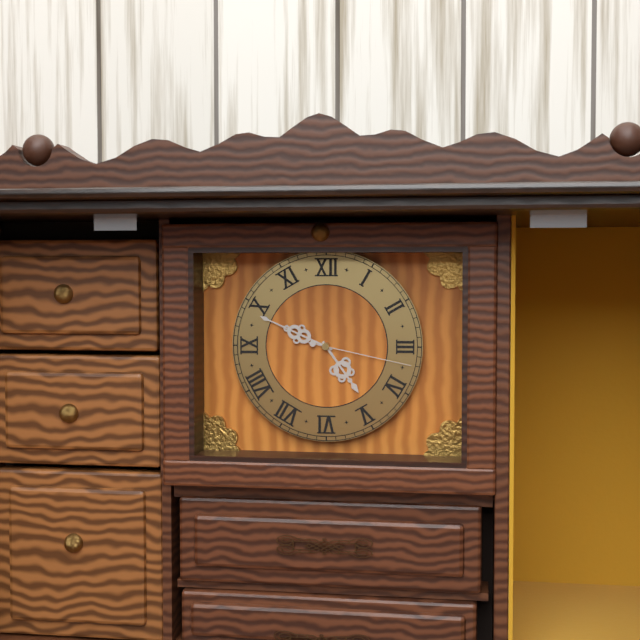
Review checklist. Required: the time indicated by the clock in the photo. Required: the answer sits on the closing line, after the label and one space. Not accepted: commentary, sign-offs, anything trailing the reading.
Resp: 4:49:17
